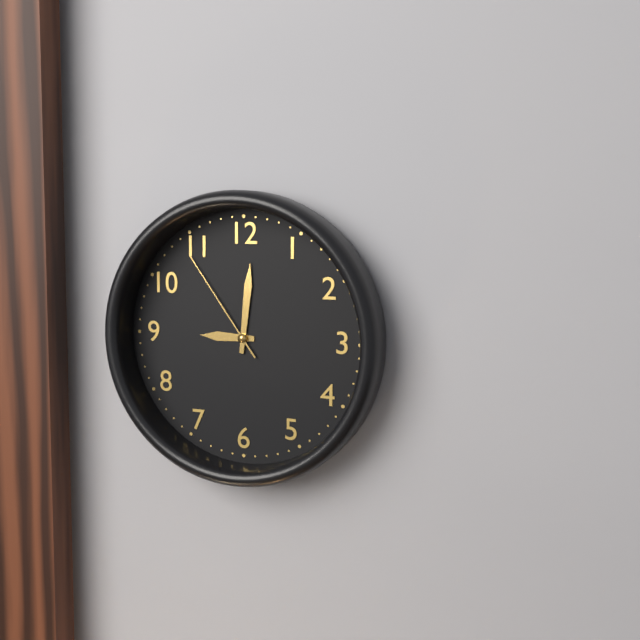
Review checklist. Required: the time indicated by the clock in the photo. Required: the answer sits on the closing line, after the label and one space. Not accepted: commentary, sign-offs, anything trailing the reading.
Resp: 9:01:54
